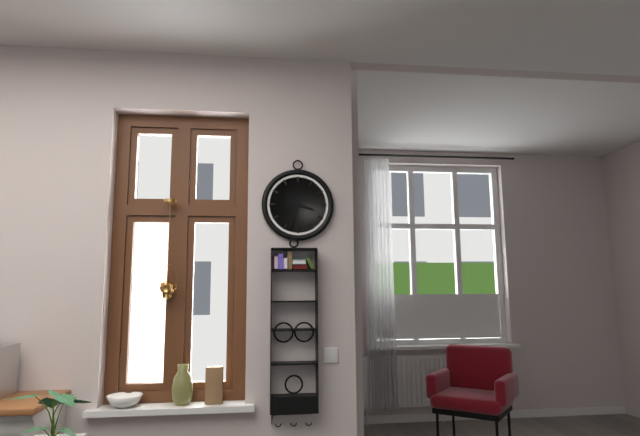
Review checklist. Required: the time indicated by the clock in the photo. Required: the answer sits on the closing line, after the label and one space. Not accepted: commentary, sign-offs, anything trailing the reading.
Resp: 3:33
